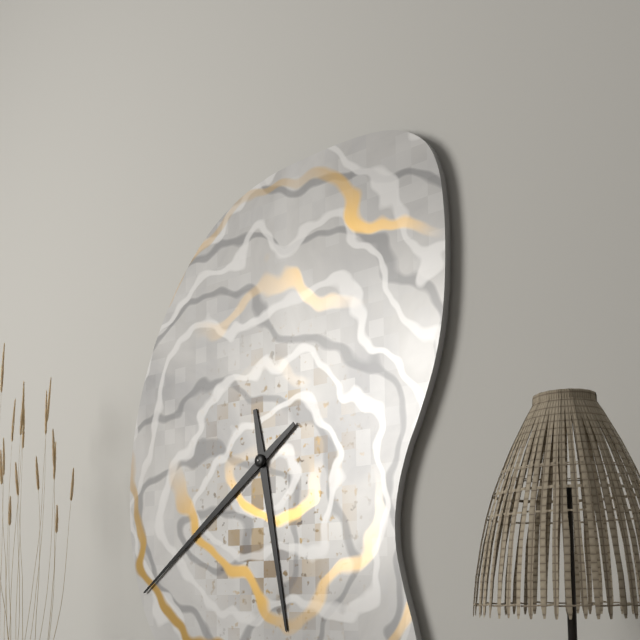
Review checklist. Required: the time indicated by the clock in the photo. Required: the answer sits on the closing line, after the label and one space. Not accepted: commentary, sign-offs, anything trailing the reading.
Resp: 5:39
